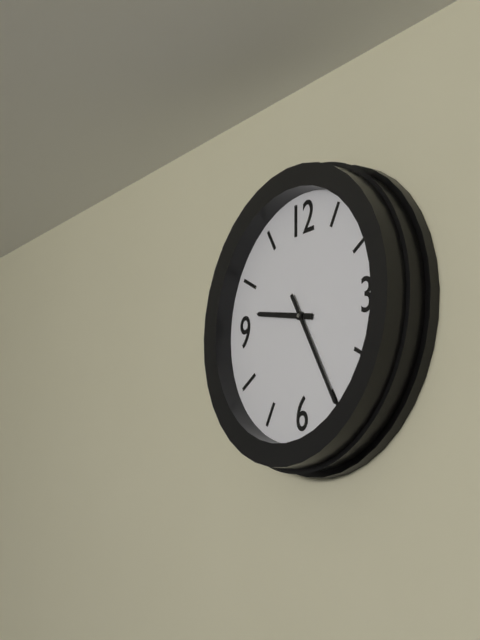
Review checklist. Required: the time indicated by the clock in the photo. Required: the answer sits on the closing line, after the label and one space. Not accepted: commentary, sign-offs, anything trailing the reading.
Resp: 9:25
